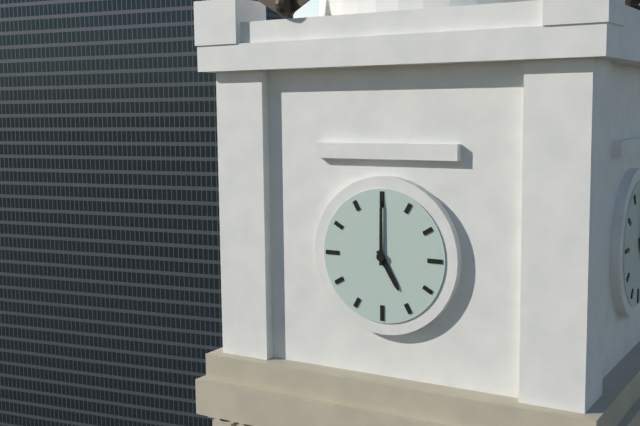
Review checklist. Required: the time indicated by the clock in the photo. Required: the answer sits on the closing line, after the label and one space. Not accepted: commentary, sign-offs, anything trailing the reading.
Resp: 5:00
